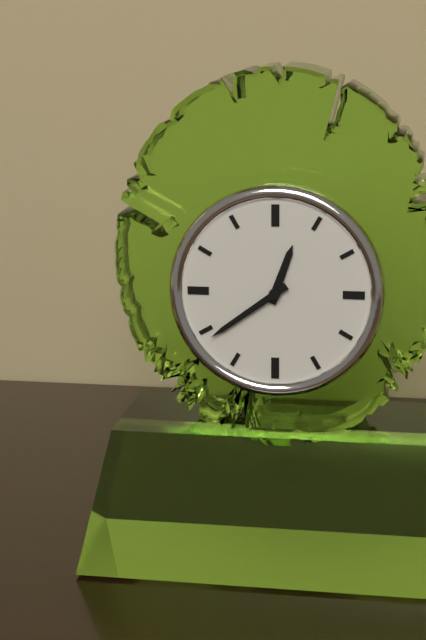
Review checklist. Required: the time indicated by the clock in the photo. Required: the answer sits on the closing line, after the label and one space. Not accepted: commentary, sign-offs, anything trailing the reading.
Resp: 12:39
